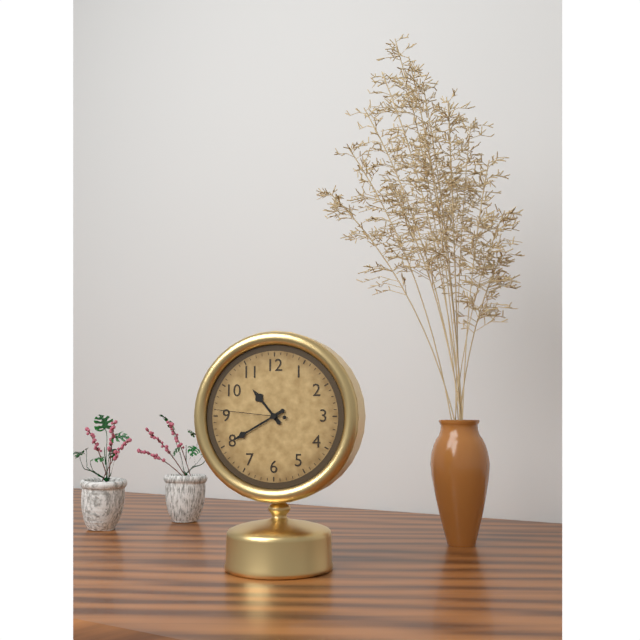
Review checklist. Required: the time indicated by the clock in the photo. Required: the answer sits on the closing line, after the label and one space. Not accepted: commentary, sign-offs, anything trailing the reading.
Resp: 10:40:46
